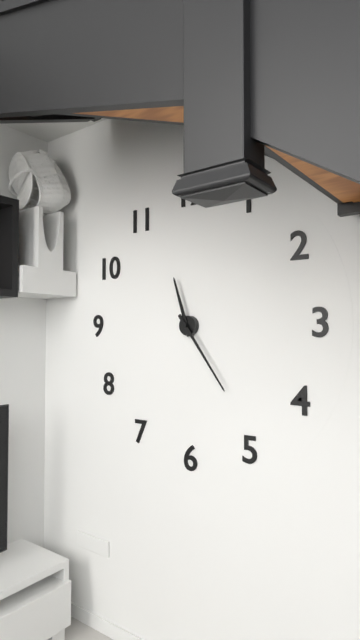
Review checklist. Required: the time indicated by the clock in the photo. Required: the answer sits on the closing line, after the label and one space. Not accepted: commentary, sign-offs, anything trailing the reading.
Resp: 11:24
